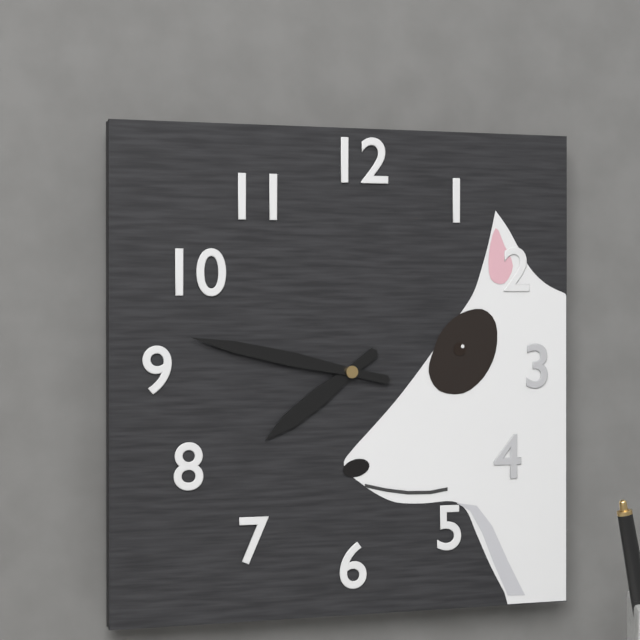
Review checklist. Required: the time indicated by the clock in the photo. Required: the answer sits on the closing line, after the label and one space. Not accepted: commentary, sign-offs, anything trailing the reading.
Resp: 7:47
